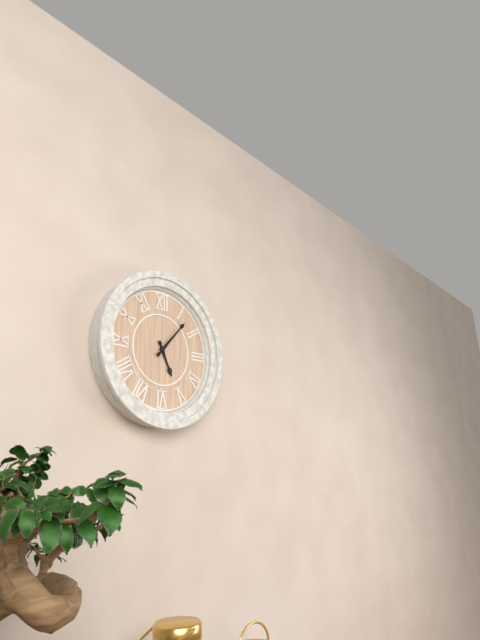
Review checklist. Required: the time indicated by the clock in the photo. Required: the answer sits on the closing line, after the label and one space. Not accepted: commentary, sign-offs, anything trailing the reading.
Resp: 5:07
